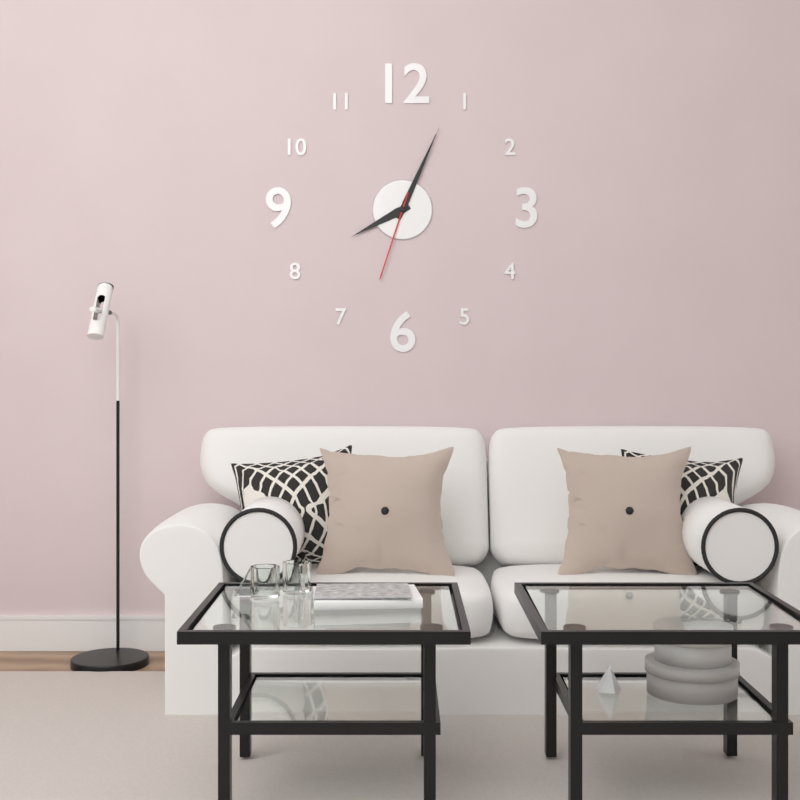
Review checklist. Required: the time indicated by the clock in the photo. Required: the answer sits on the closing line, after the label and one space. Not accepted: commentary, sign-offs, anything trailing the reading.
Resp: 8:04:33
